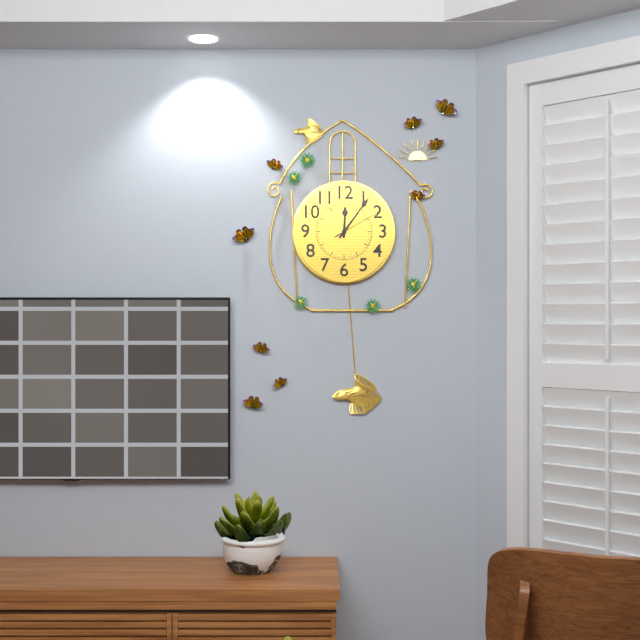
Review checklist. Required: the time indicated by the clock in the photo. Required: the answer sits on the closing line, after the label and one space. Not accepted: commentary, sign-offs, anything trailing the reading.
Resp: 12:06:10
